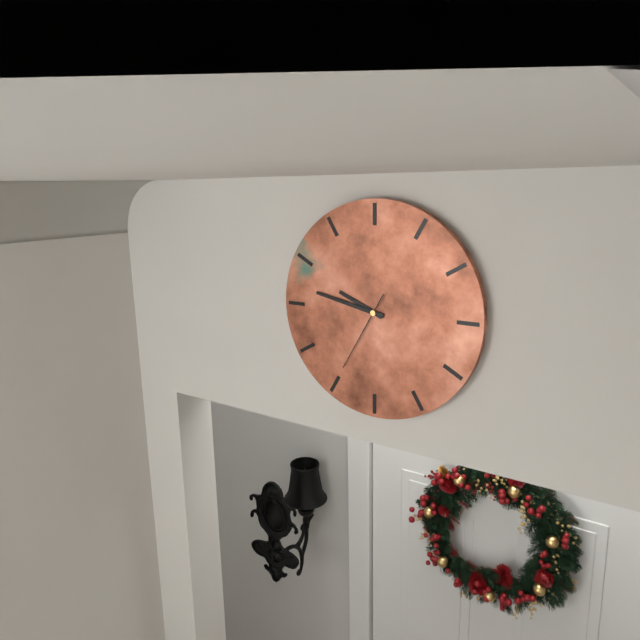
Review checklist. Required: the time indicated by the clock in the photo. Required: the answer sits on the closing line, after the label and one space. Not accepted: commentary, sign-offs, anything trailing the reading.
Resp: 9:47:35
